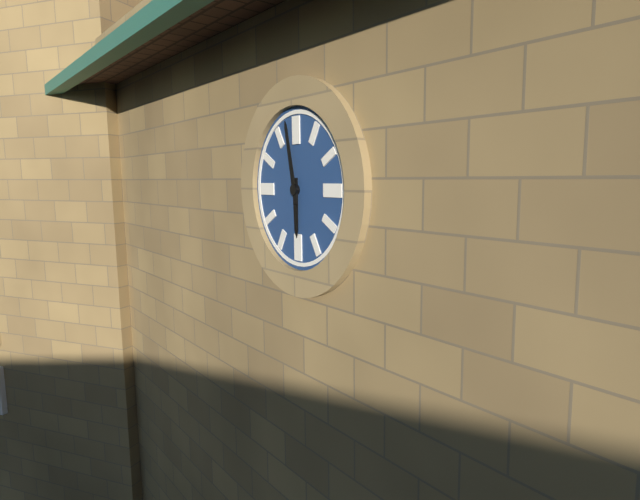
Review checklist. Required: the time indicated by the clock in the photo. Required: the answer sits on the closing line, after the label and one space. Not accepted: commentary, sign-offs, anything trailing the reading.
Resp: 5:58
